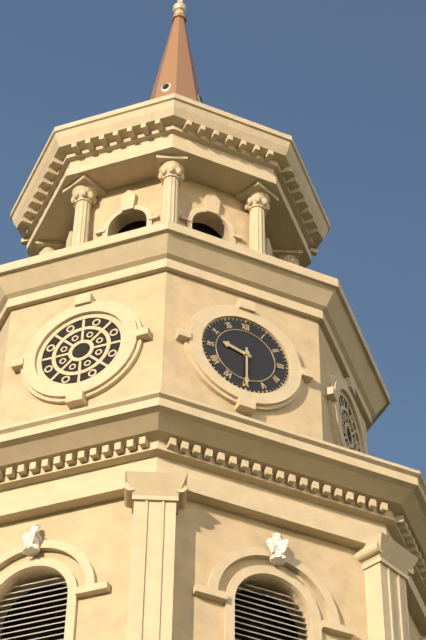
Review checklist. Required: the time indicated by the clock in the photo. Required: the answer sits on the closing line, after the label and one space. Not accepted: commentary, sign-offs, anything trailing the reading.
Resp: 9:30
